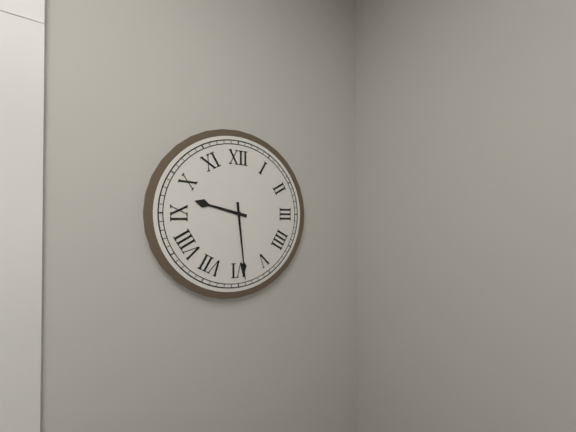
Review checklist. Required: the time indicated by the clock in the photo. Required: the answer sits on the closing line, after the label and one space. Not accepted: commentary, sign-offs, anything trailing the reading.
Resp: 9:29
